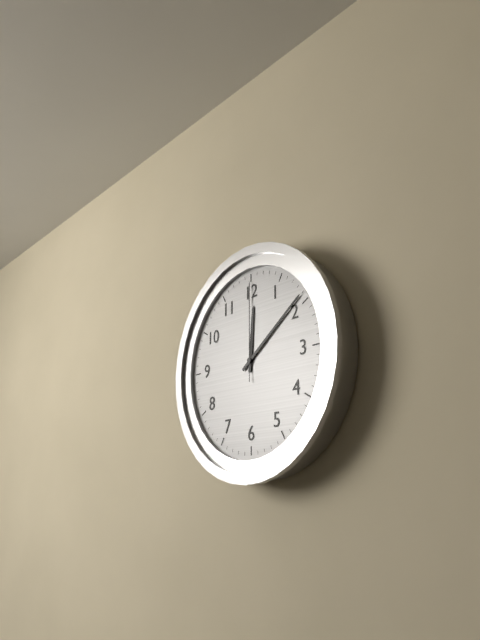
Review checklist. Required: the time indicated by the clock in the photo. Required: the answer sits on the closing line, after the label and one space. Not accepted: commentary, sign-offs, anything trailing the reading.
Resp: 12:09:00
